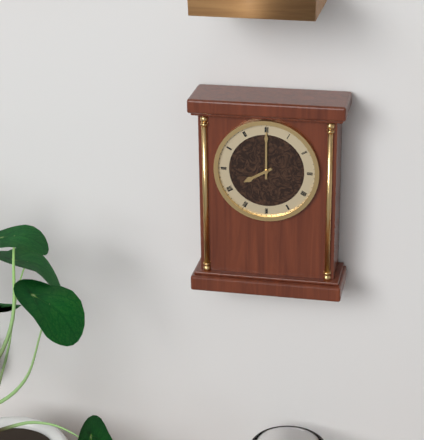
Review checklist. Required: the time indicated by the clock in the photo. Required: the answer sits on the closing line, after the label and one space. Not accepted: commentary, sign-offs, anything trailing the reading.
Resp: 8:00
